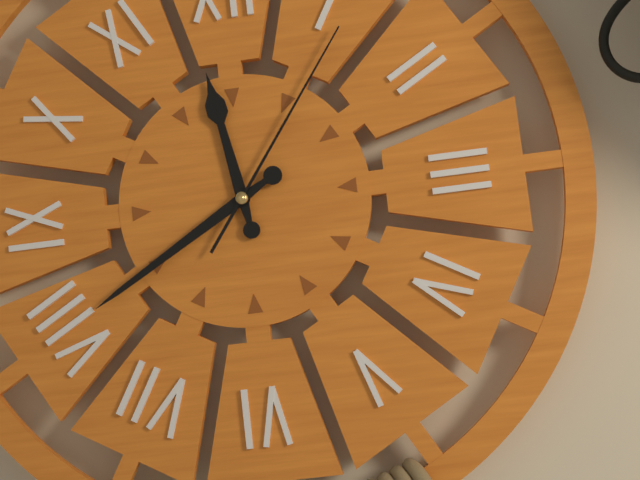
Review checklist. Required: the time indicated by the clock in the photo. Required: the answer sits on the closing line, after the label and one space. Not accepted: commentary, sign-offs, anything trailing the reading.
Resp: 11:40:06
